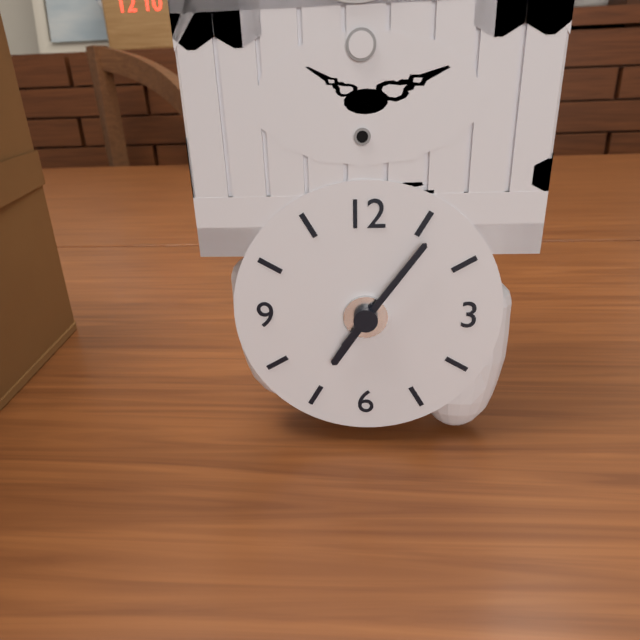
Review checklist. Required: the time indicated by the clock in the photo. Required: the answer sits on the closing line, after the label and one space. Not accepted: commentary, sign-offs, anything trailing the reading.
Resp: 7:06
